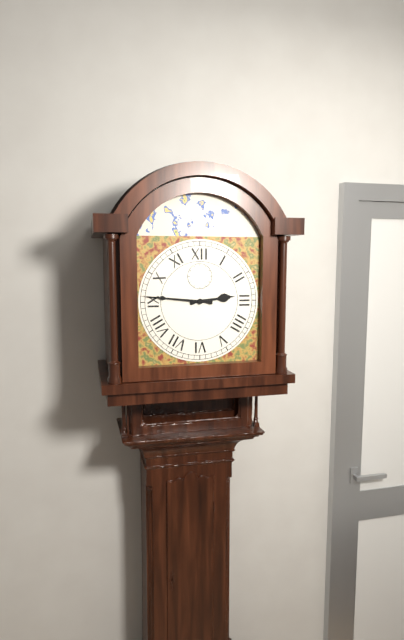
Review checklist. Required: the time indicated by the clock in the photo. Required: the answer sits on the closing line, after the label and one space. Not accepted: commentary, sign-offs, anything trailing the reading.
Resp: 2:46
